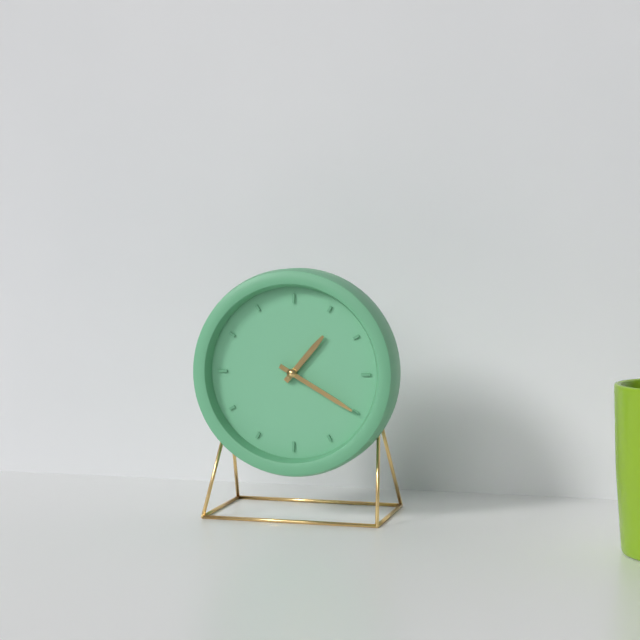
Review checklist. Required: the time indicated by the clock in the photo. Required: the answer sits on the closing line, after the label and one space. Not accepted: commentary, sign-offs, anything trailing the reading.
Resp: 1:20
